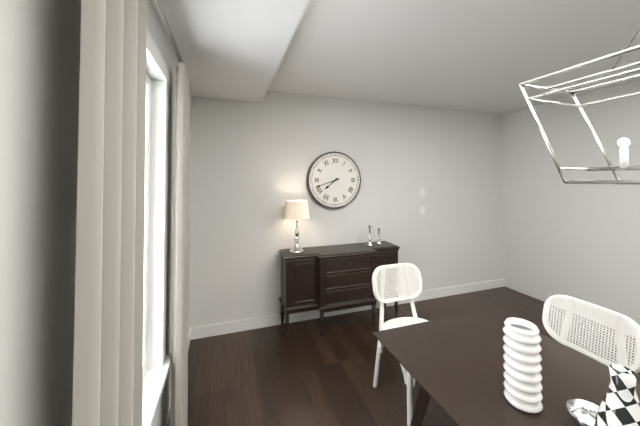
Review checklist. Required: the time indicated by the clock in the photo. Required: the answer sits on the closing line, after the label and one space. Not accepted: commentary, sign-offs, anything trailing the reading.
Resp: 7:42
